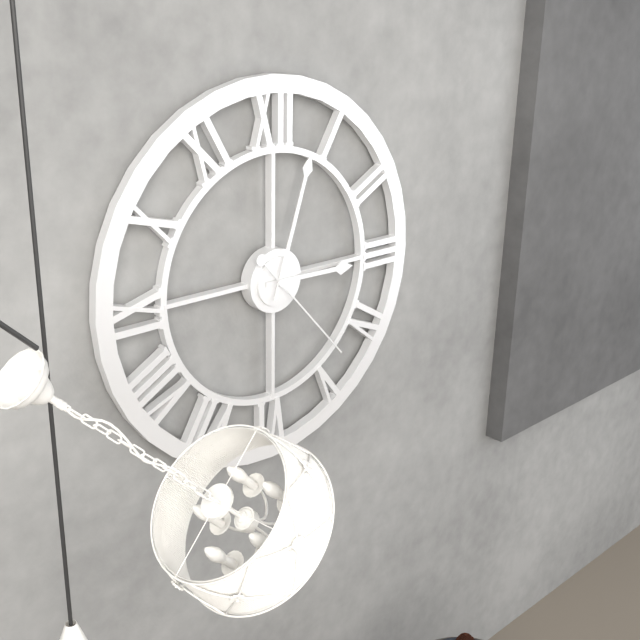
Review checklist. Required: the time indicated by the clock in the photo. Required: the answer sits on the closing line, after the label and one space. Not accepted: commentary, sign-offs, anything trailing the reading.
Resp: 3:03:23
